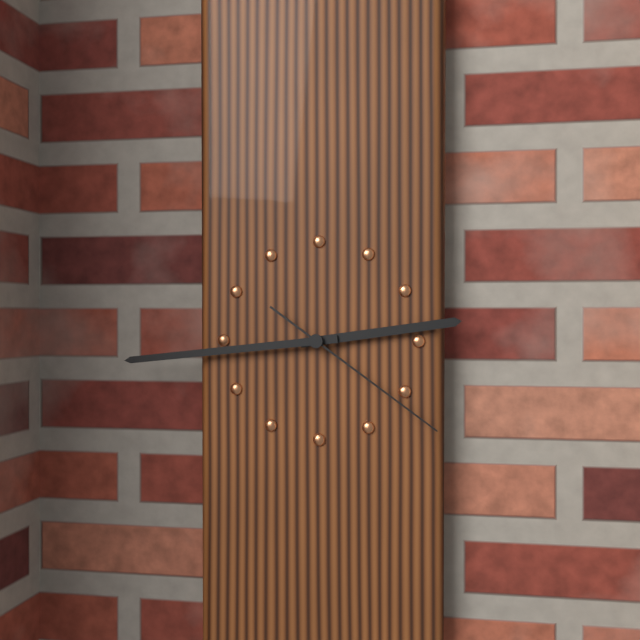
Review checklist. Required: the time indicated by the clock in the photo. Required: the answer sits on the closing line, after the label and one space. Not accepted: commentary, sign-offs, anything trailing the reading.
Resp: 2:44:21
